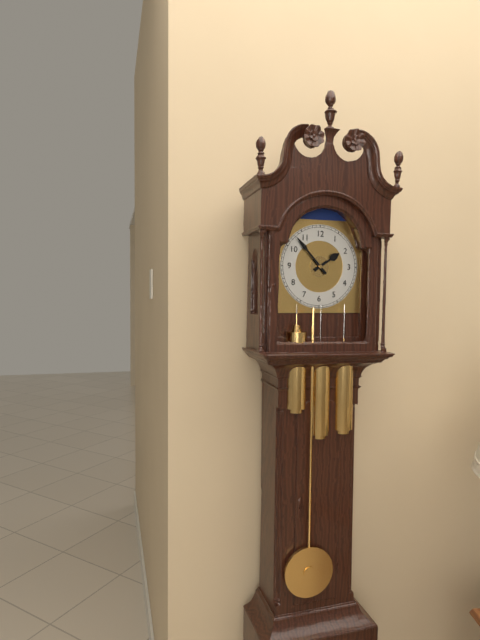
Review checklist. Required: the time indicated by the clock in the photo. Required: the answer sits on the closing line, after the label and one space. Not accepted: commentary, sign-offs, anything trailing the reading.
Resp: 1:53
